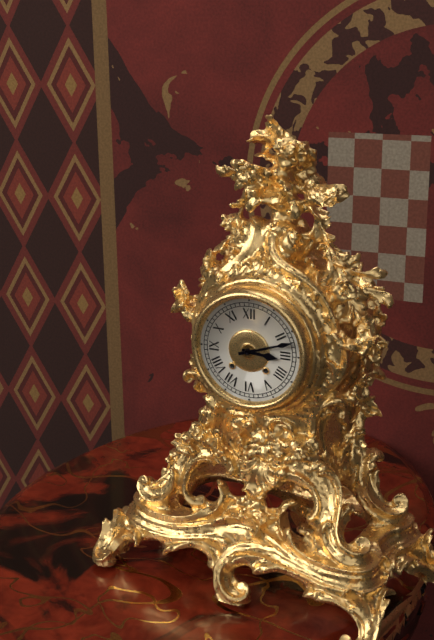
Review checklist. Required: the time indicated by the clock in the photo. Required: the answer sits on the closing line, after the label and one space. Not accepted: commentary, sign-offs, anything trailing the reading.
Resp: 3:12
